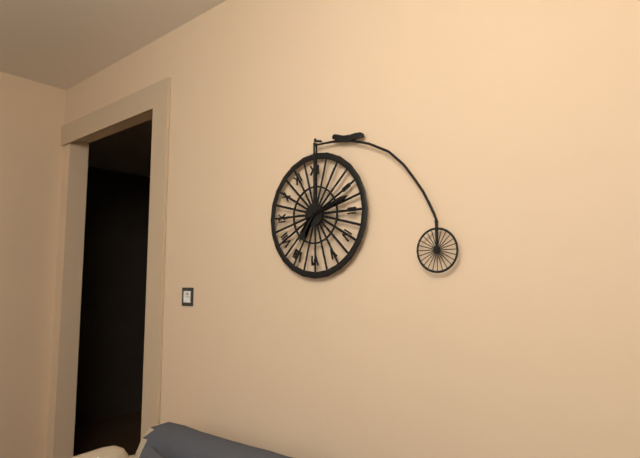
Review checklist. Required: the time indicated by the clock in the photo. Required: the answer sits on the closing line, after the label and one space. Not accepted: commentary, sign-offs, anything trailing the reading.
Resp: 7:12
